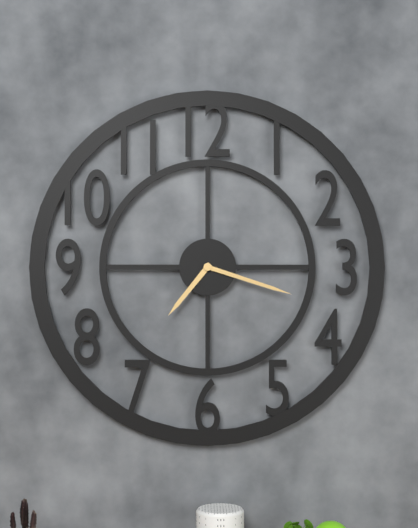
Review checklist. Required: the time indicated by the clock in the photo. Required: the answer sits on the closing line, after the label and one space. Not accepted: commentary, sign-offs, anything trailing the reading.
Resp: 7:18
